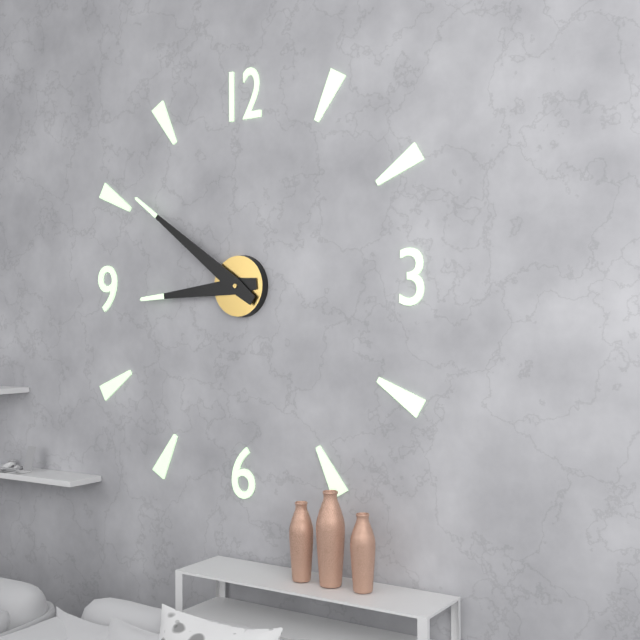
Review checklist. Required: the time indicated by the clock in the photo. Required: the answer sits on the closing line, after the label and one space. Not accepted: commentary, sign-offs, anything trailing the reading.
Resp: 8:51
